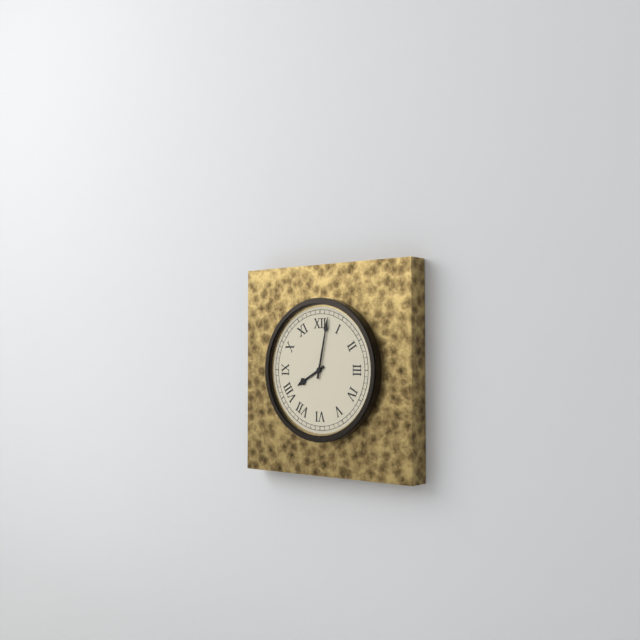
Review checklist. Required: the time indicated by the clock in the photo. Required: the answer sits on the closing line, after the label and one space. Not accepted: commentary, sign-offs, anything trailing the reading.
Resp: 8:02
